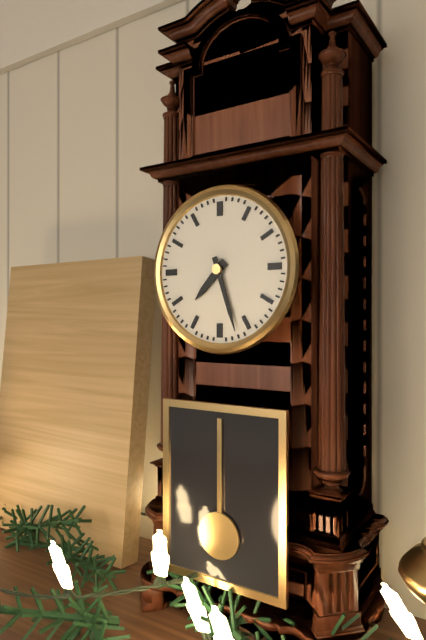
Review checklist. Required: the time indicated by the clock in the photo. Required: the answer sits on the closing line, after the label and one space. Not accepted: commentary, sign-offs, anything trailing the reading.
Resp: 7:27
